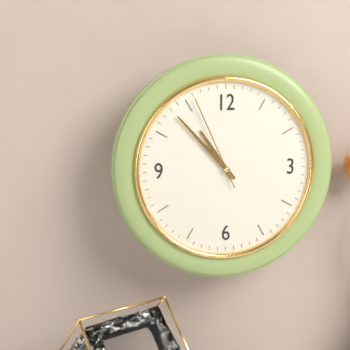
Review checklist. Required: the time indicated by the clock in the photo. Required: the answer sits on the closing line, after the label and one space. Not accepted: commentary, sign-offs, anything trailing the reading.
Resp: 10:53:56
